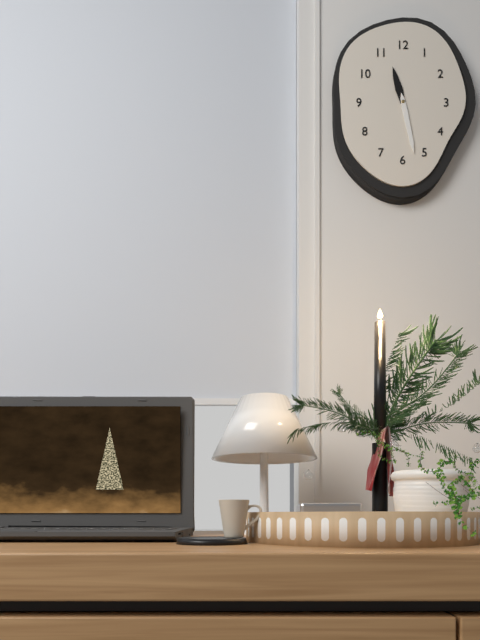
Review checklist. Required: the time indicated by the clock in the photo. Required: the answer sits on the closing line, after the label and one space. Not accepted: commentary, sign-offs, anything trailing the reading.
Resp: 11:28
